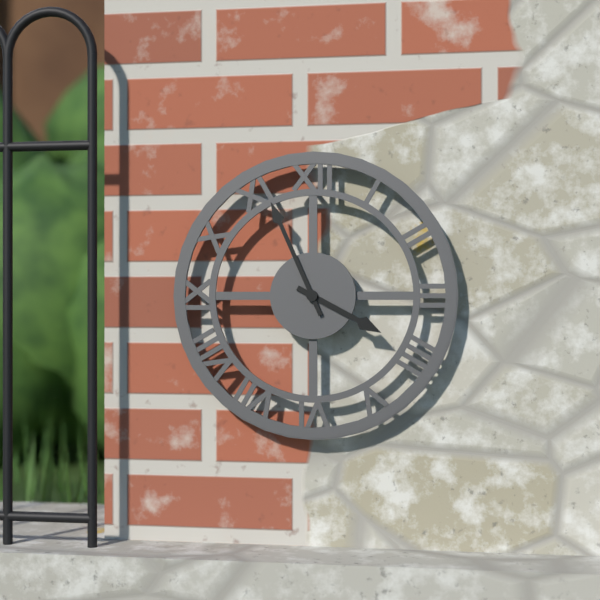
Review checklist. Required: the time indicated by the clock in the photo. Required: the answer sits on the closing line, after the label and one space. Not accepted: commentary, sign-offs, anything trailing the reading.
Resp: 3:56
